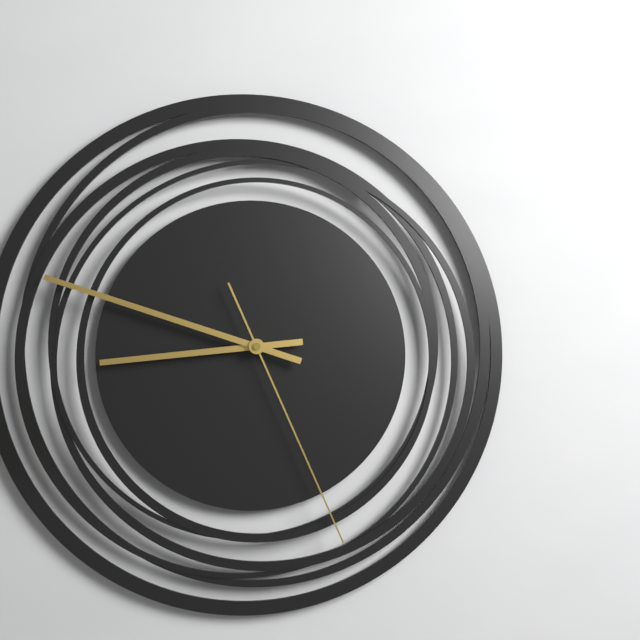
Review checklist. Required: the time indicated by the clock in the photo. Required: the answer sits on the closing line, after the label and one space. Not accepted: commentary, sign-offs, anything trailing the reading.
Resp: 8:48:26
